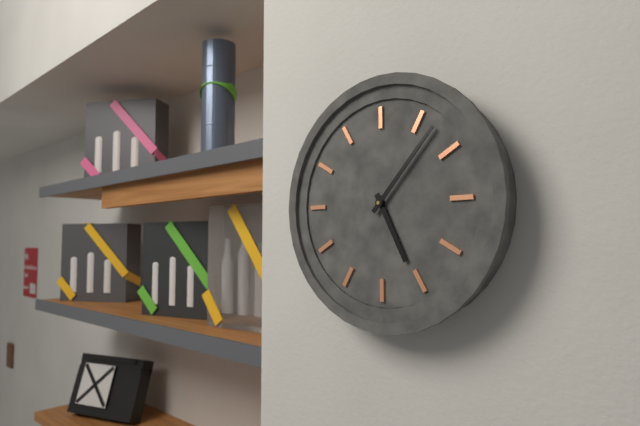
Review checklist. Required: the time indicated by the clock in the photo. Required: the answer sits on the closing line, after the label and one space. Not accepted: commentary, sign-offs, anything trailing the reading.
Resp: 5:07
